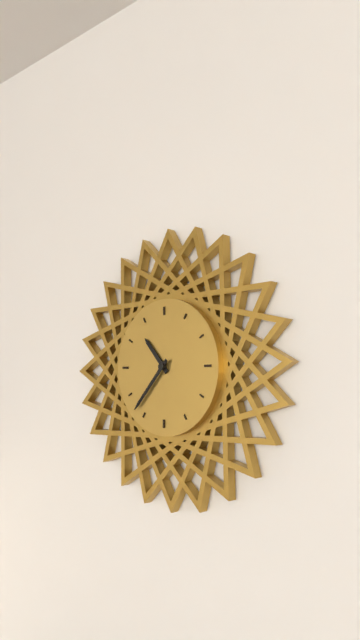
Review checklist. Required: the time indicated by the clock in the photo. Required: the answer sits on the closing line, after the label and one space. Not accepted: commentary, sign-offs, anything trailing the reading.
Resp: 10:37
